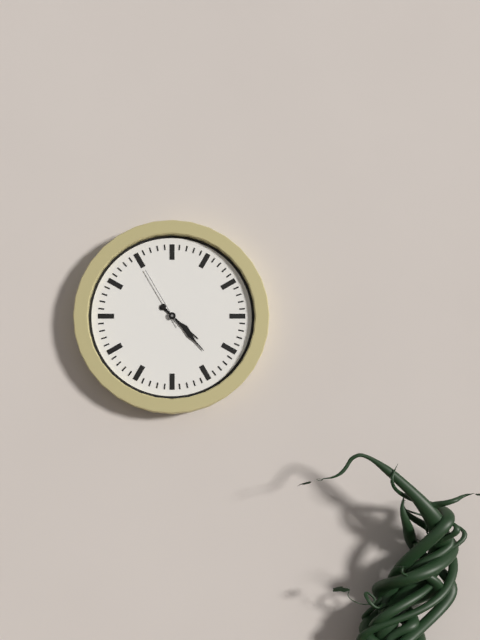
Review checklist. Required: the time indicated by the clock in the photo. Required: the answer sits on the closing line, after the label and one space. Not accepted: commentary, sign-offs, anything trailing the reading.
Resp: 4:23:55
